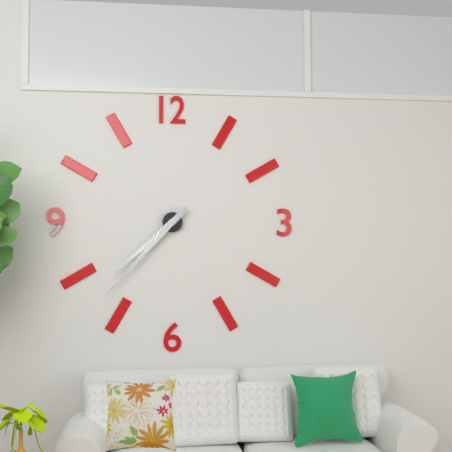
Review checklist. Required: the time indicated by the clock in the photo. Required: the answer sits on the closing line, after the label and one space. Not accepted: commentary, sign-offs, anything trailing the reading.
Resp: 7:37
